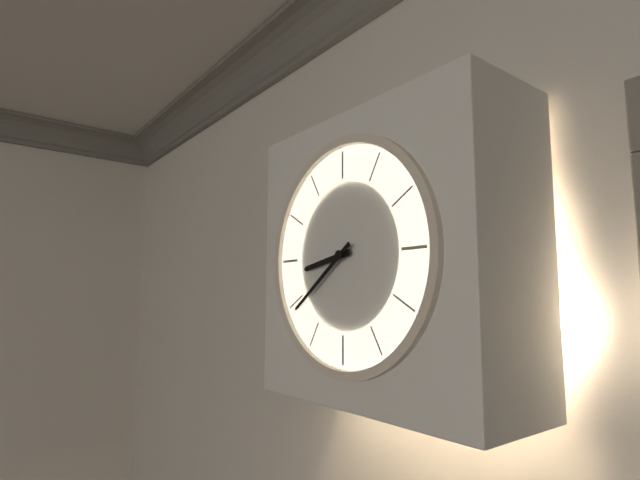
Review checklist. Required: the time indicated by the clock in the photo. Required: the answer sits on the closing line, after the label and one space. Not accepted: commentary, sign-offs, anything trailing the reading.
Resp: 8:39
